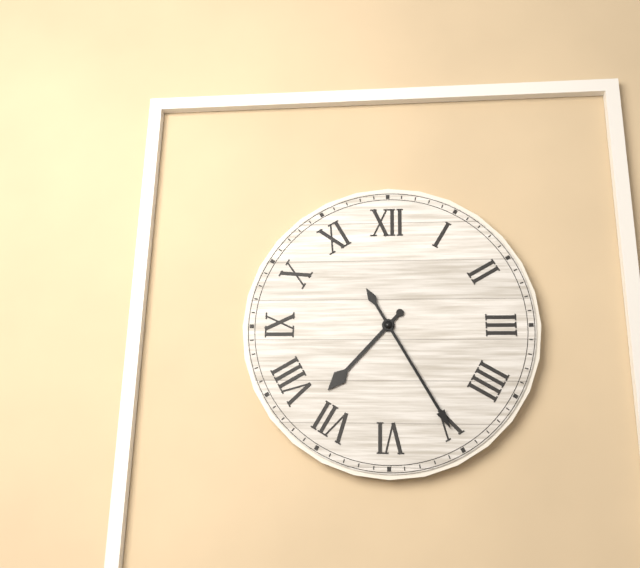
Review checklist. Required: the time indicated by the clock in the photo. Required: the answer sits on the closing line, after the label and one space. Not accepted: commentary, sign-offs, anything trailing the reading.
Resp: 7:25
